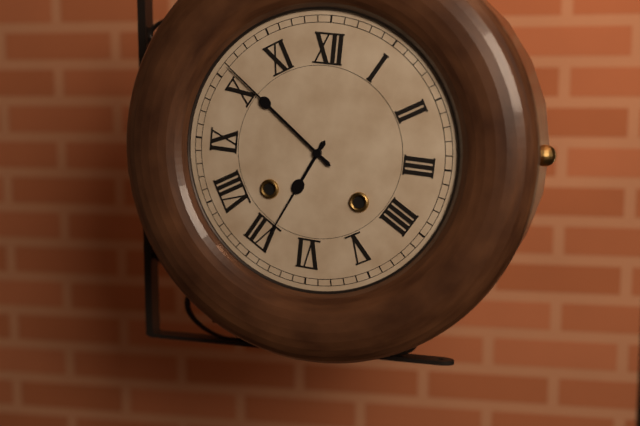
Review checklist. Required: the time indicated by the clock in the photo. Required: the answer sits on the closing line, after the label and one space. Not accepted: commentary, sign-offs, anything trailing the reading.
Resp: 6:51
